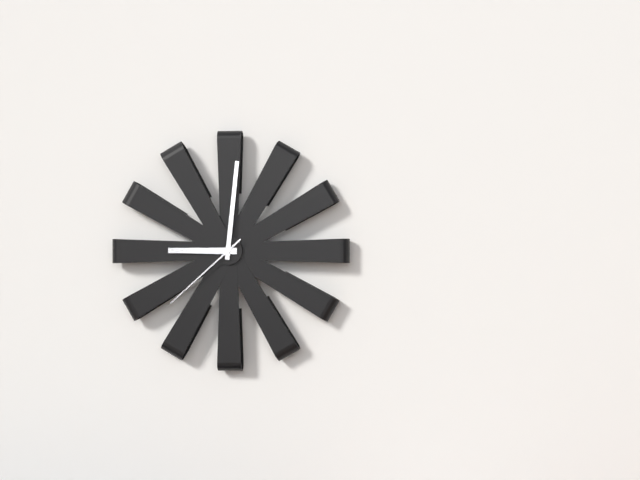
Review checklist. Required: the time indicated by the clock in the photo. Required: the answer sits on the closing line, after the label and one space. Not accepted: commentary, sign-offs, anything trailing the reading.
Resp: 9:01:38
